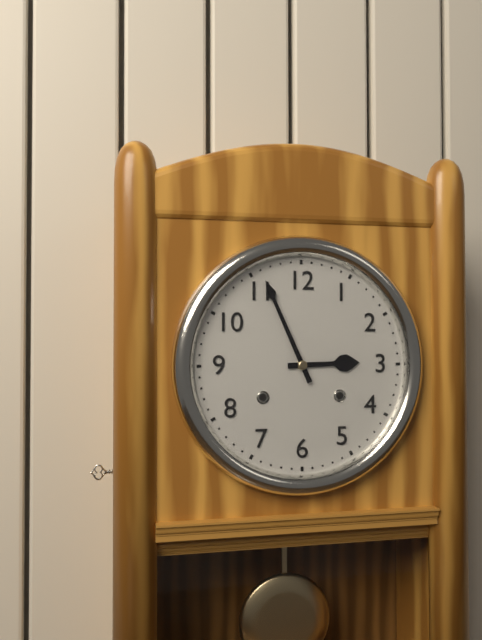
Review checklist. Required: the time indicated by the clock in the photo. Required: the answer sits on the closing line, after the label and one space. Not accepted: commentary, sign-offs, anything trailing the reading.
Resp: 2:56
